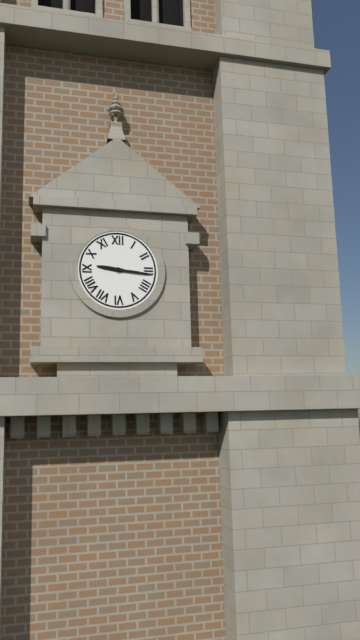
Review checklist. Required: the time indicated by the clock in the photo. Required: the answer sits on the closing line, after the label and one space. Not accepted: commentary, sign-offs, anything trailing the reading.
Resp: 9:16
